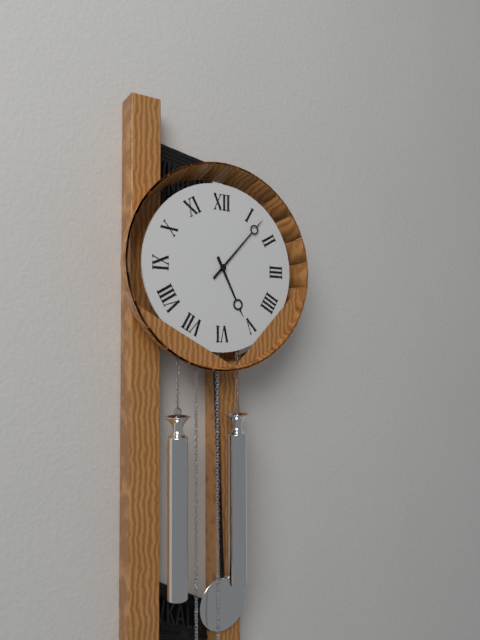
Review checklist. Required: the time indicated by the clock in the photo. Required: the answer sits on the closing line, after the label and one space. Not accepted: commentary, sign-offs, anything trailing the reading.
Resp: 5:07
